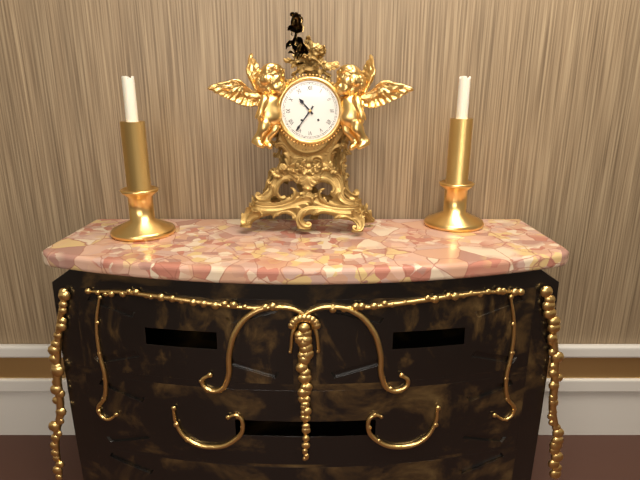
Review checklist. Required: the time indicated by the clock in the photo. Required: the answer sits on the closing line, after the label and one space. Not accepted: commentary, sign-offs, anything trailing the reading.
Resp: 10:36
